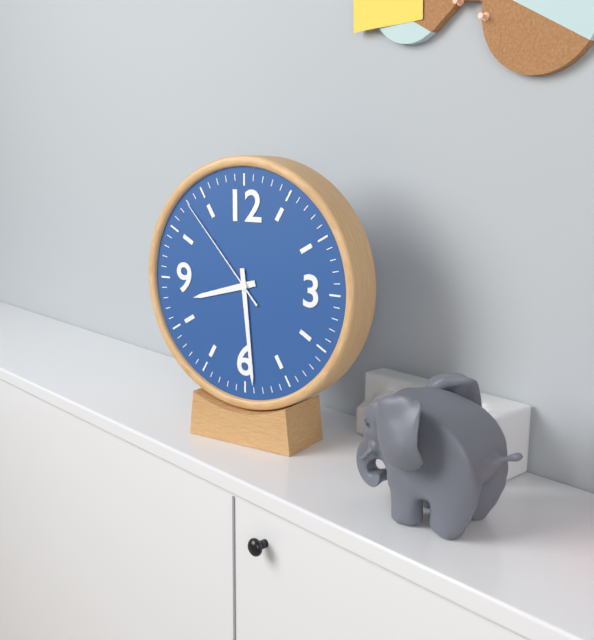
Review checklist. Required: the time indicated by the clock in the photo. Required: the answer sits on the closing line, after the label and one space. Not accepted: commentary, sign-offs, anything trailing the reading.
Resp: 8:29:53
